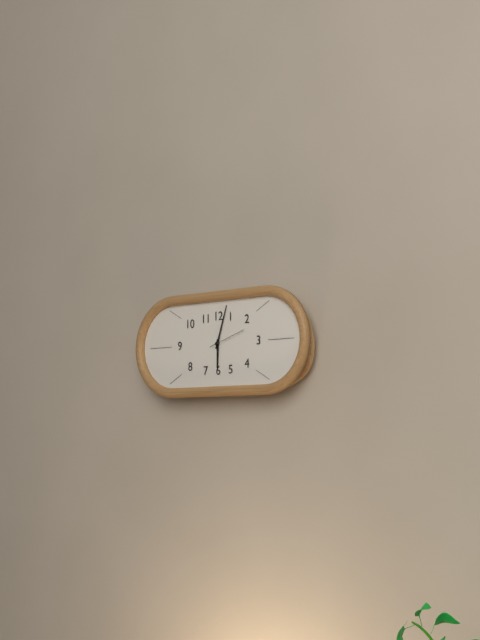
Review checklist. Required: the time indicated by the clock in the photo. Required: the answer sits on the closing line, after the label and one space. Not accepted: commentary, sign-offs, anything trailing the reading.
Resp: 6:03
